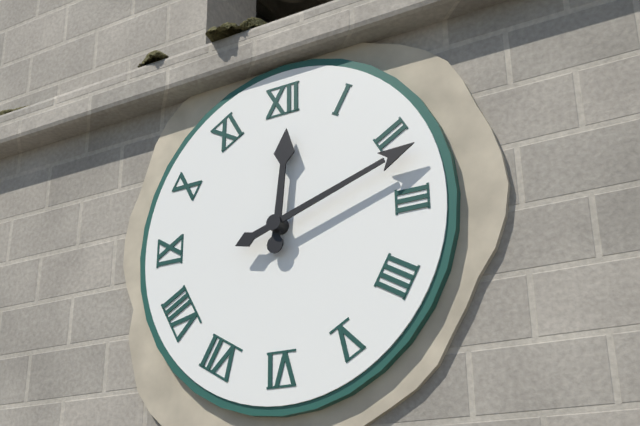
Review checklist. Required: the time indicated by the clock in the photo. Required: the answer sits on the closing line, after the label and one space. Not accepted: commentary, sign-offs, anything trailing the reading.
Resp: 12:12
